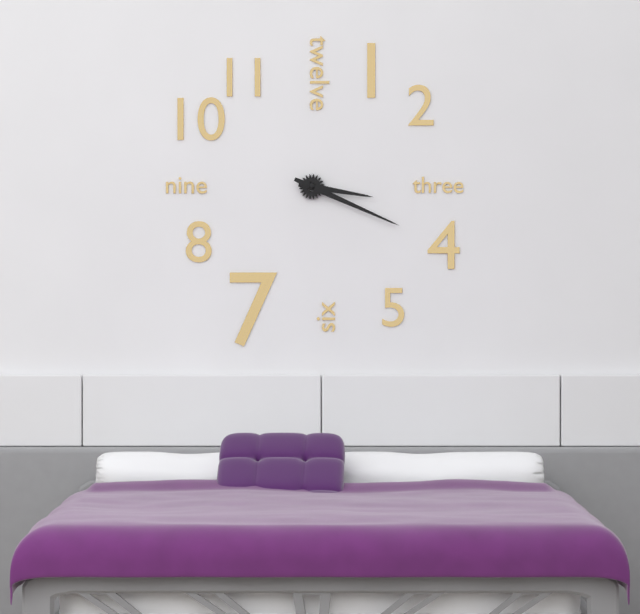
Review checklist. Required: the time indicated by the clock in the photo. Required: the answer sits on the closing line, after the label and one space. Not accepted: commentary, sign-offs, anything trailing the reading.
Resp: 3:19
